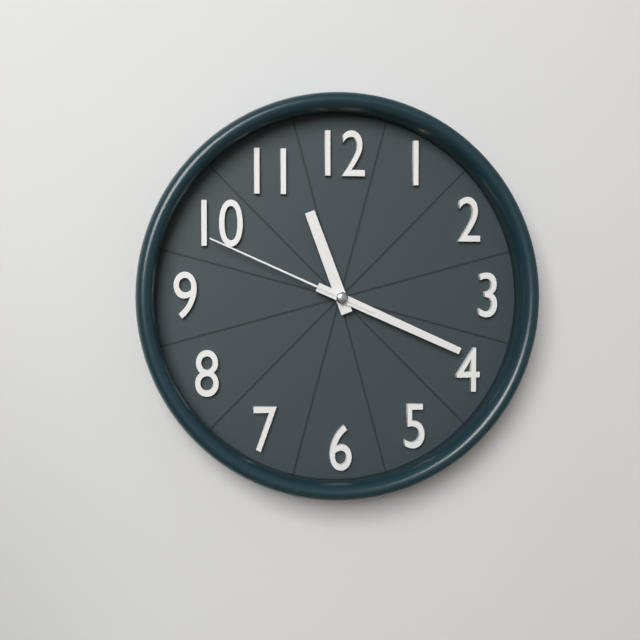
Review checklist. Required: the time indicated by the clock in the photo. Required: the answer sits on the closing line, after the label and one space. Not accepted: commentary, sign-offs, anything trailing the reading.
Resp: 11:19:49
